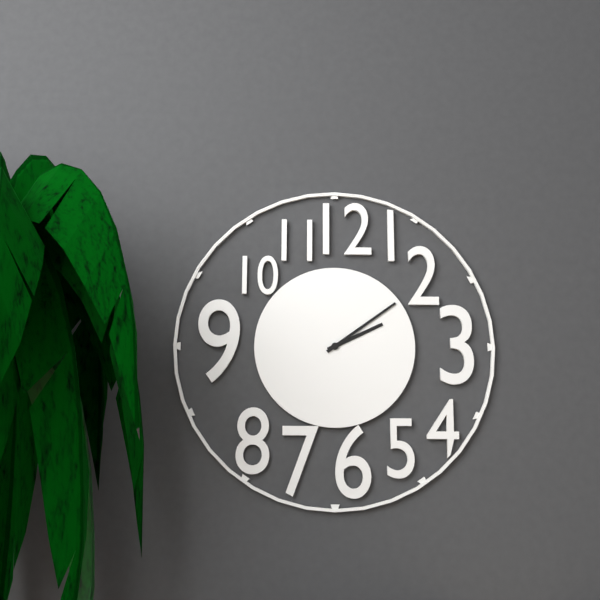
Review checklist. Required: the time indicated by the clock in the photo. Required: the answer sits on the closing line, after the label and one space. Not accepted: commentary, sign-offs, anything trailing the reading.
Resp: 2:09
